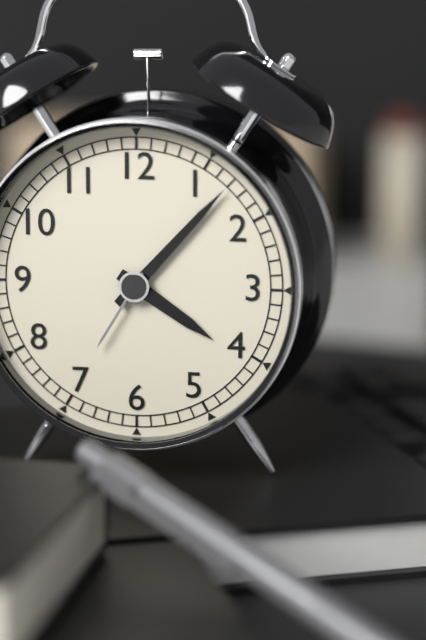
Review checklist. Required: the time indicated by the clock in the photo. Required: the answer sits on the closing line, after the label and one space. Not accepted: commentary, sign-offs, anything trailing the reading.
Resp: 4:07
